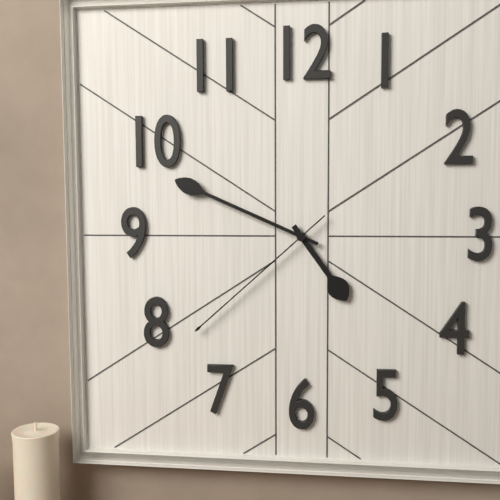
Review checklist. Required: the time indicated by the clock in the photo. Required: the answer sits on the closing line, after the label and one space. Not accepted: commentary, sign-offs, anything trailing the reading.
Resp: 4:49:38
